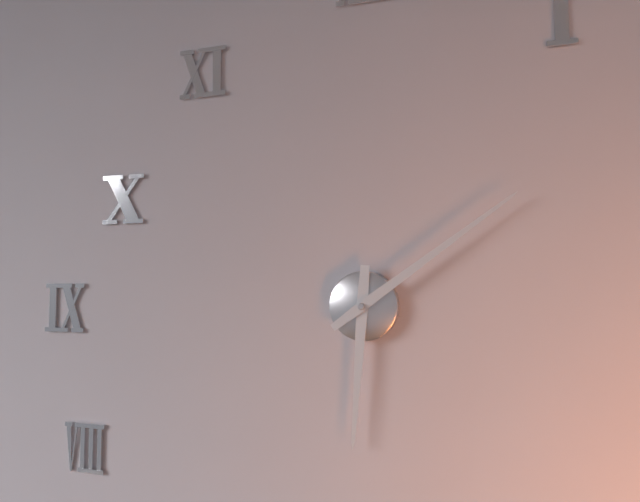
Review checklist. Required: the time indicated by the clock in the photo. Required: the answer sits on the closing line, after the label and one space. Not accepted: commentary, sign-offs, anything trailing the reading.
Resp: 6:09
